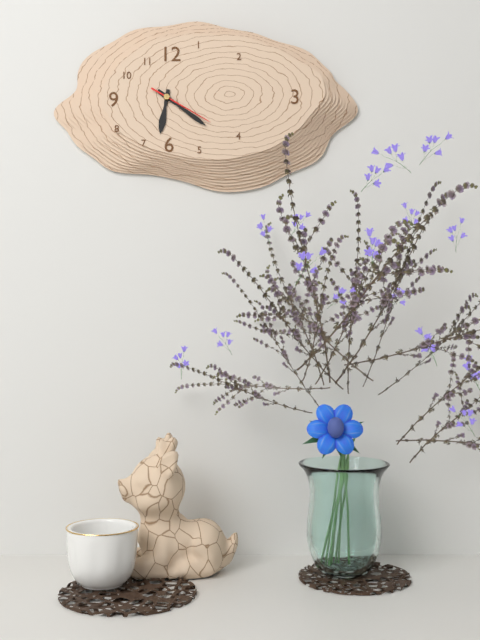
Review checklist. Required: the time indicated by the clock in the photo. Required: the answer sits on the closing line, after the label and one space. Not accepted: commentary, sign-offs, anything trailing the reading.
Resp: 6:21:20
